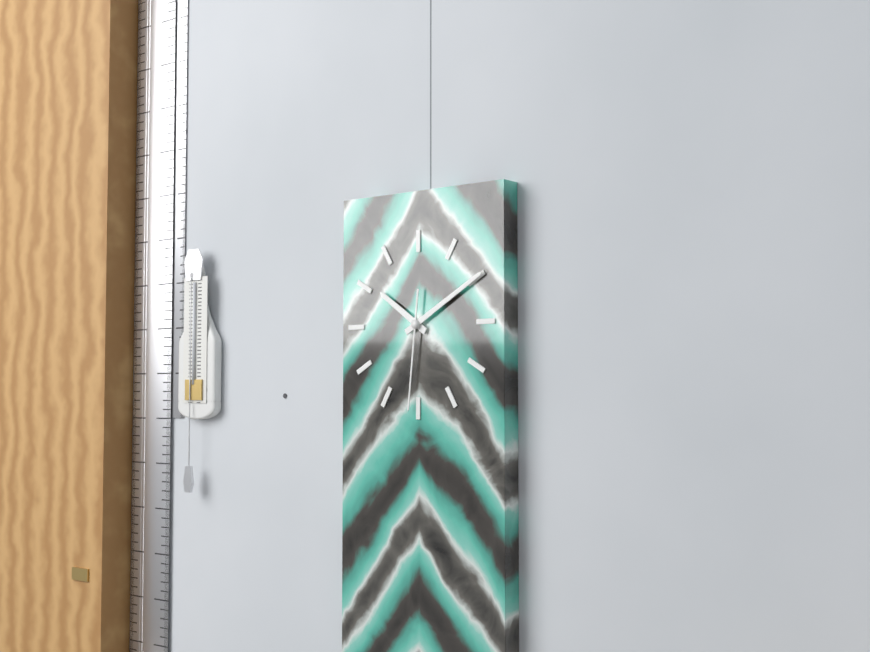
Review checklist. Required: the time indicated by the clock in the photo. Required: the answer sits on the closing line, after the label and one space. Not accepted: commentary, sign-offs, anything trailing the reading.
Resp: 10:10:31
